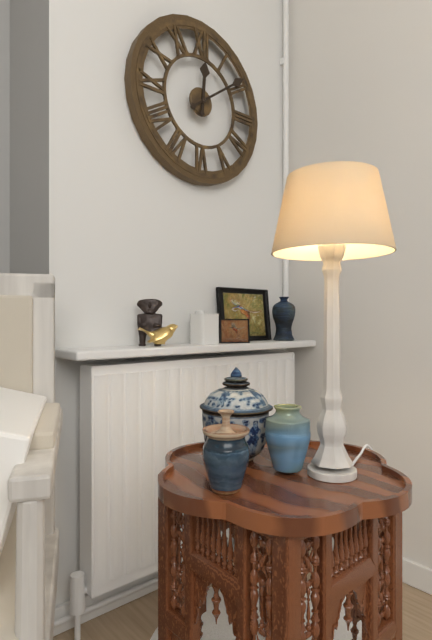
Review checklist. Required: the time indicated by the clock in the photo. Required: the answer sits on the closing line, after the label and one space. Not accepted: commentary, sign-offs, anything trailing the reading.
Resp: 12:09
